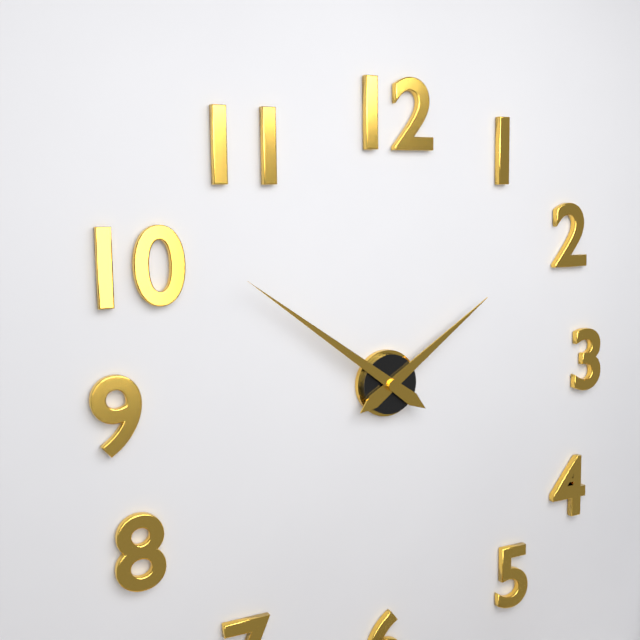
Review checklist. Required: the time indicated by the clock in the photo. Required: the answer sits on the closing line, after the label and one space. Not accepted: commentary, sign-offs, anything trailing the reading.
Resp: 1:51
